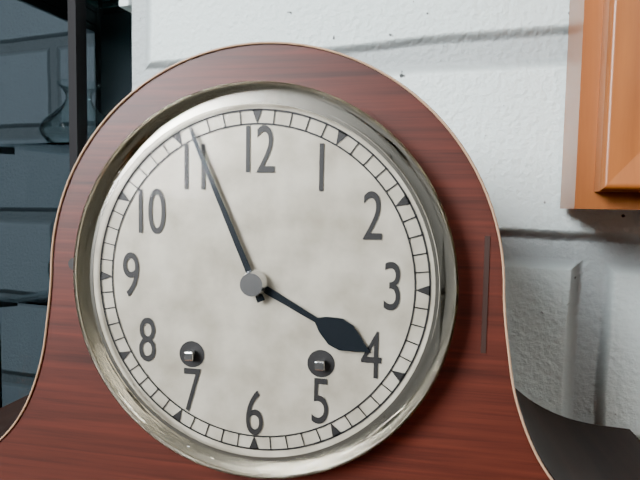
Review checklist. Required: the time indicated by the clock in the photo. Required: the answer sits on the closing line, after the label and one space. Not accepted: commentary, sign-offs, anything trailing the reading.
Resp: 3:56
